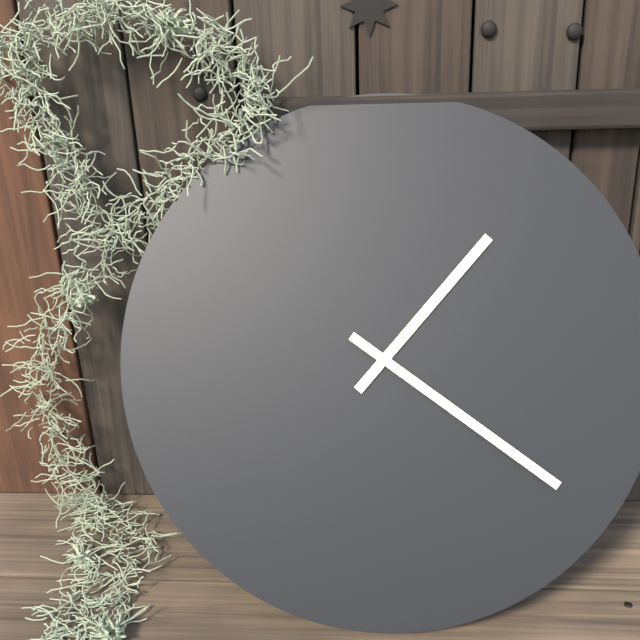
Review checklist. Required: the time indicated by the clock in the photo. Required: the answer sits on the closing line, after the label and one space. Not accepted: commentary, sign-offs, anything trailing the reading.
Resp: 1:21
